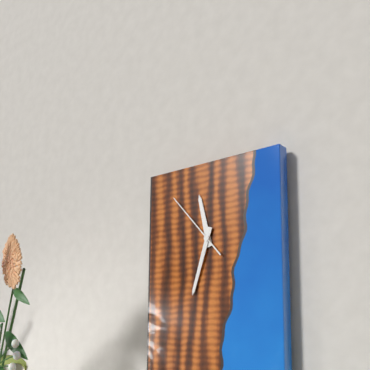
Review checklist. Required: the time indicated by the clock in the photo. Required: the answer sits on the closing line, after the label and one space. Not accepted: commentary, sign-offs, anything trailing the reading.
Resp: 11:33:53
